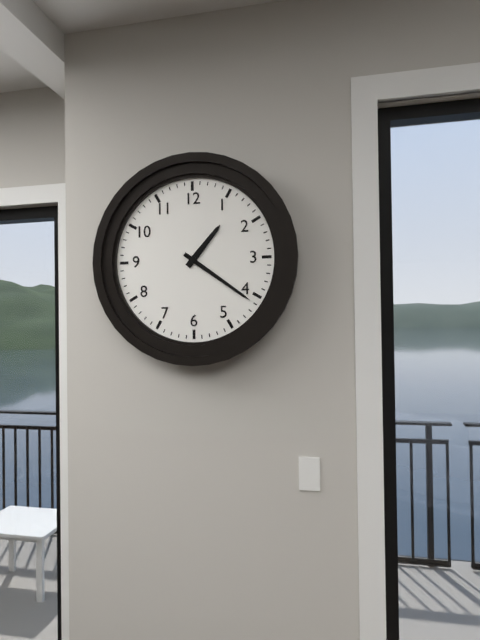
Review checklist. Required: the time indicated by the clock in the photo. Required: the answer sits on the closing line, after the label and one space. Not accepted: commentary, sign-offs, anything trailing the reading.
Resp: 1:21
